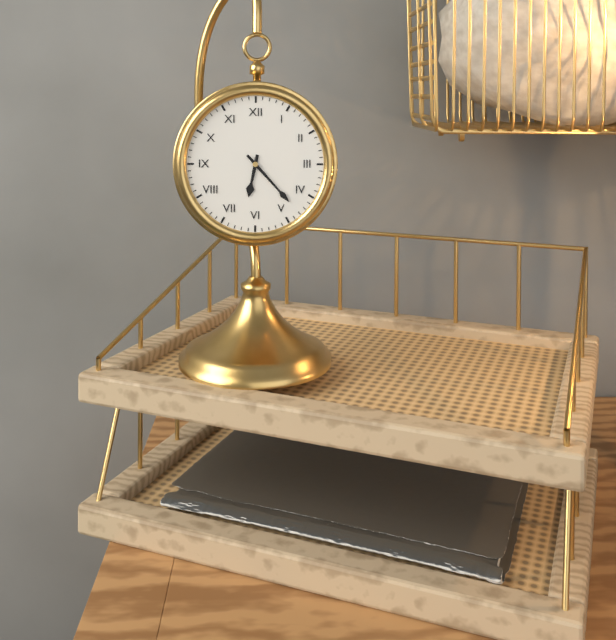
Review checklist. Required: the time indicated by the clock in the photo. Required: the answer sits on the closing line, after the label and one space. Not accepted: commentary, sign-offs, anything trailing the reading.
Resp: 6:23
